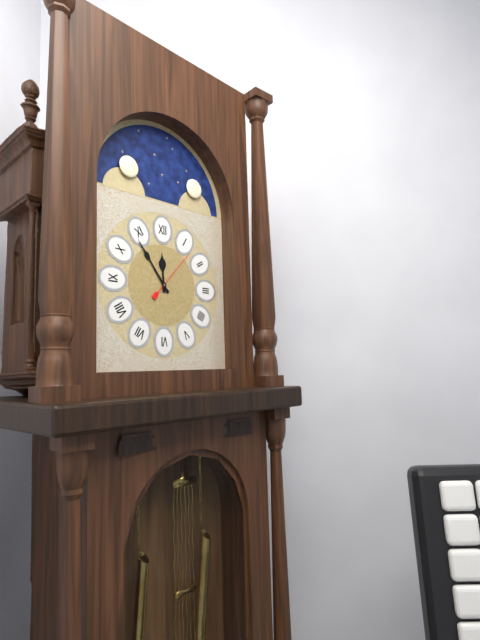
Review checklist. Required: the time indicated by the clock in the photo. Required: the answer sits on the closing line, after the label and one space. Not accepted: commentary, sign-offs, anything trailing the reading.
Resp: 11:54:07
